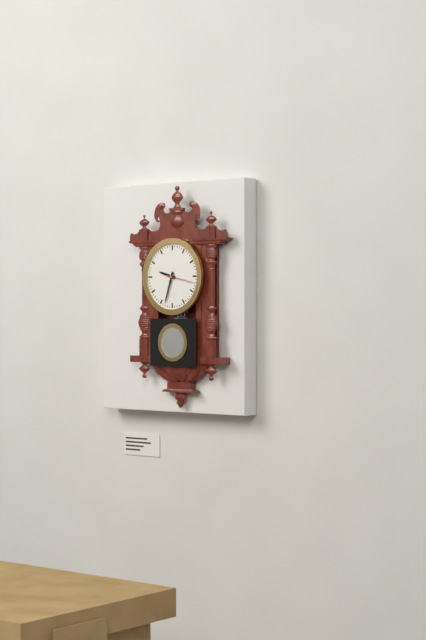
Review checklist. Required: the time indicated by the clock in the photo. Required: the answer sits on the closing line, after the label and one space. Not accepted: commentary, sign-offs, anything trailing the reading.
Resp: 9:33
